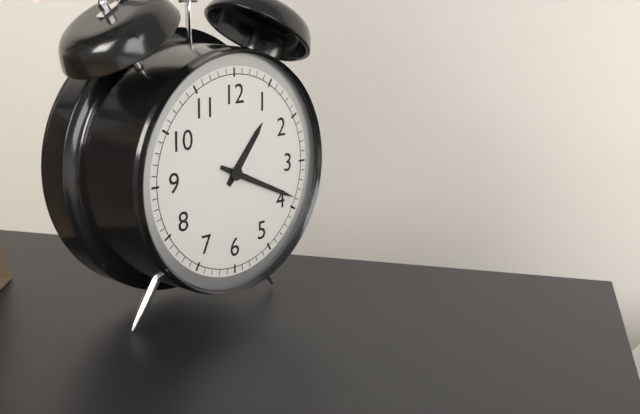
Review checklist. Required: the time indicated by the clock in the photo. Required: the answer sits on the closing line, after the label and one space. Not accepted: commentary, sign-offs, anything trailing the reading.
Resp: 1:19
